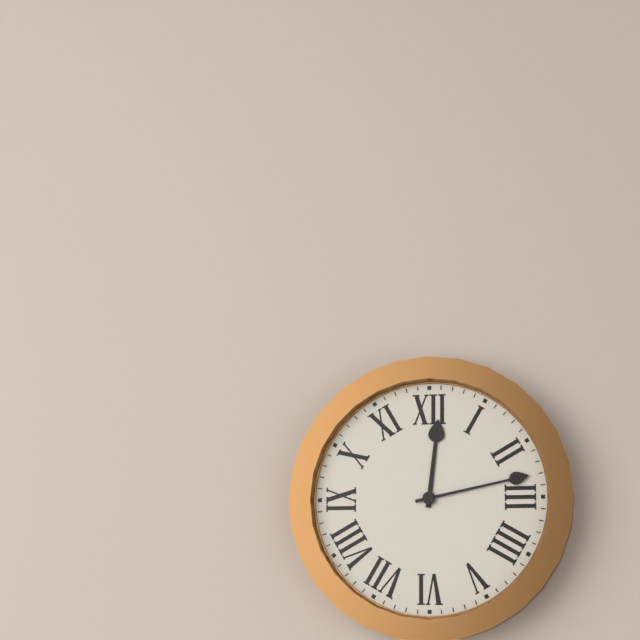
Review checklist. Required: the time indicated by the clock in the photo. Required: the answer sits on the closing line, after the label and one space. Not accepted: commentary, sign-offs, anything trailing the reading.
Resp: 12:13
